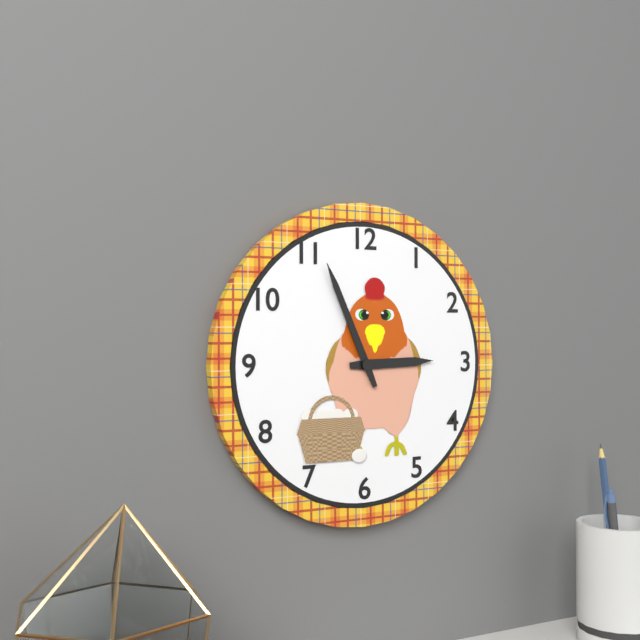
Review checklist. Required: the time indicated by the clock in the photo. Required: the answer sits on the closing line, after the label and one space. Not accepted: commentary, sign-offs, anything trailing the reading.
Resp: 2:56
